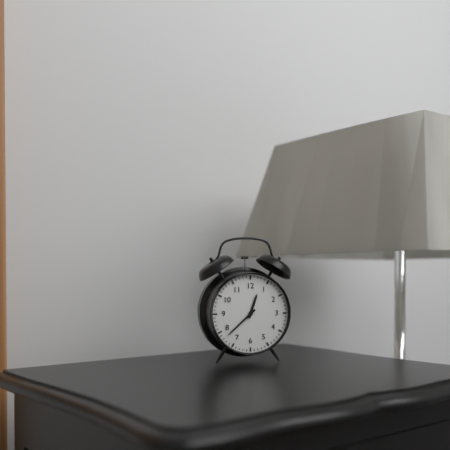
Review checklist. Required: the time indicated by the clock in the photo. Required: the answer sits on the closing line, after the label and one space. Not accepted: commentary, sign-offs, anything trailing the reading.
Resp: 12:38
